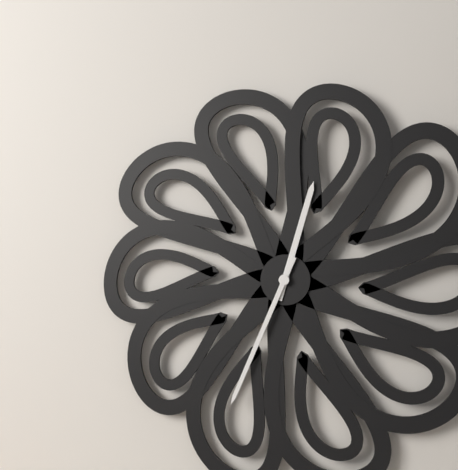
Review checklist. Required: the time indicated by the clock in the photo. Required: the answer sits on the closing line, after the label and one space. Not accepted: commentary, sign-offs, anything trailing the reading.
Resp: 12:34
